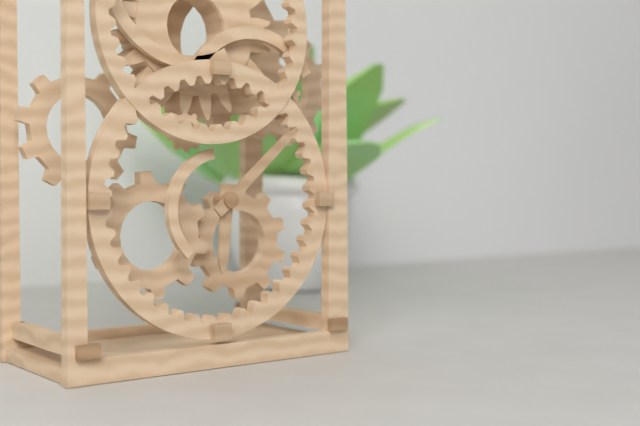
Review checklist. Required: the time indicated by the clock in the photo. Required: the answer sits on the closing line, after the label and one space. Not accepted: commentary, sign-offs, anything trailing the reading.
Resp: 6:08
